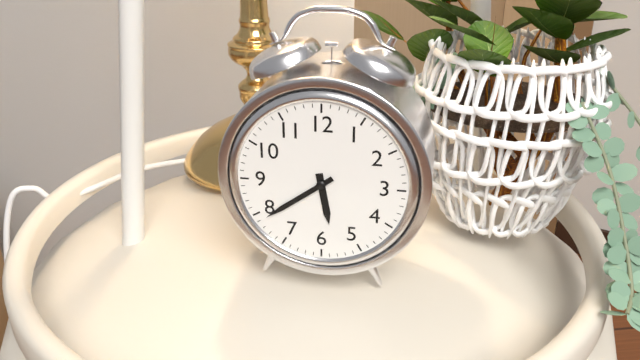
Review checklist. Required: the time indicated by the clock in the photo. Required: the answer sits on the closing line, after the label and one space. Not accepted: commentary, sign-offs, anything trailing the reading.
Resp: 5:39
